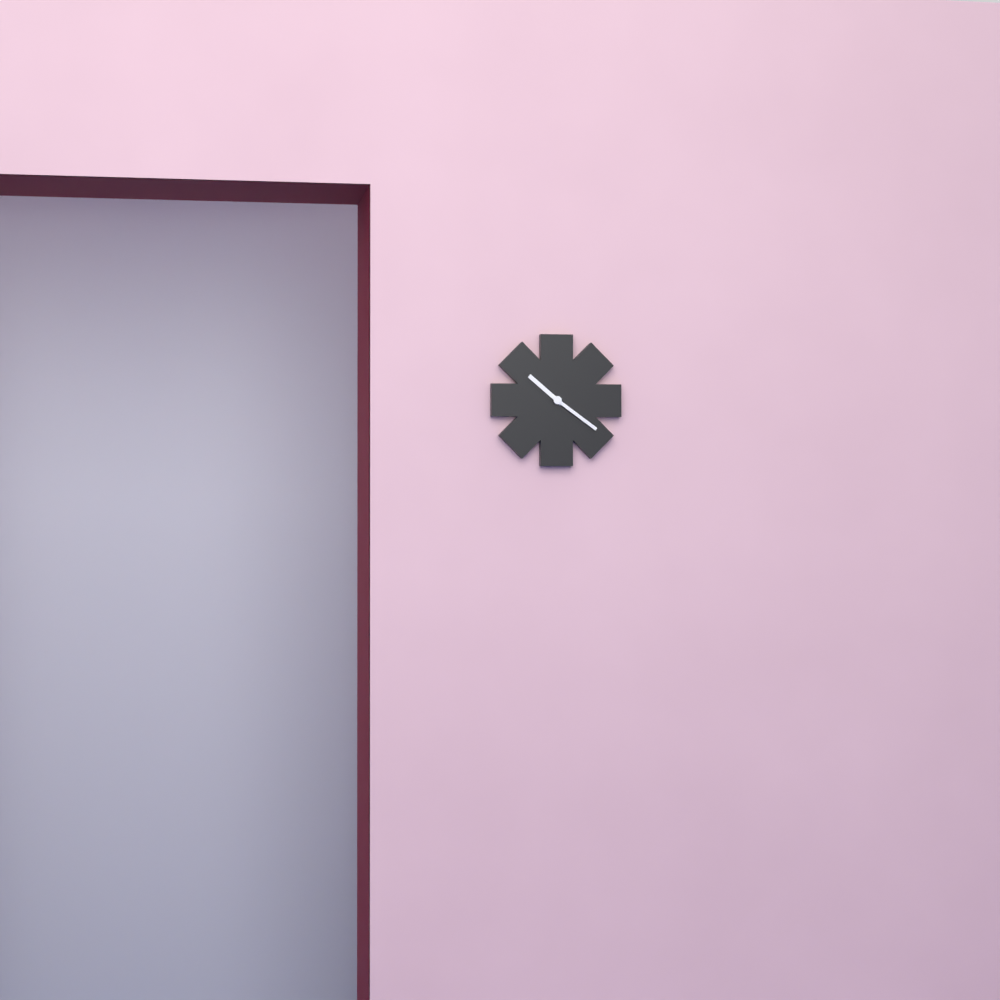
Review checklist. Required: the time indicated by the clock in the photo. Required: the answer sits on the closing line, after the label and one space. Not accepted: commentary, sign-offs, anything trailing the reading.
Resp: 10:21
